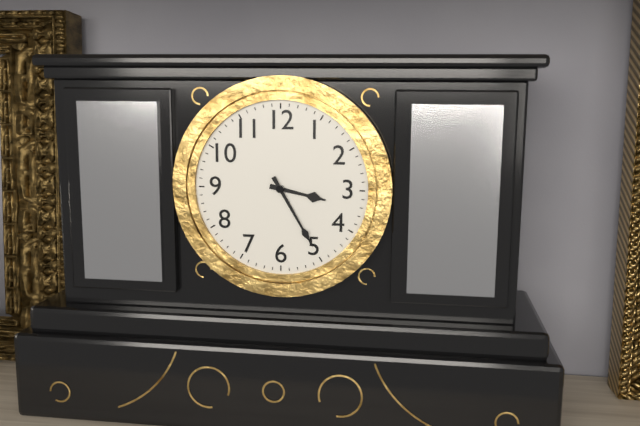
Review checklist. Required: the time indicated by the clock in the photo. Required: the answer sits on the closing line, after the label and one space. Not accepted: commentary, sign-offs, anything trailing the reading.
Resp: 3:25
